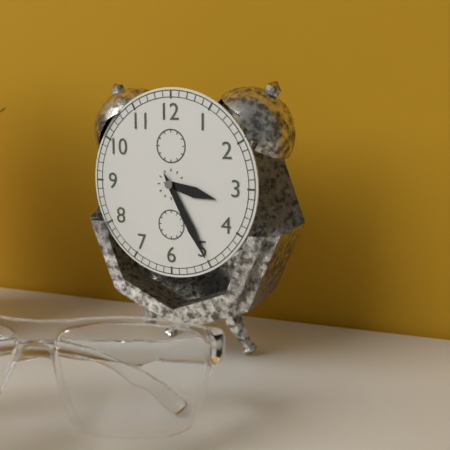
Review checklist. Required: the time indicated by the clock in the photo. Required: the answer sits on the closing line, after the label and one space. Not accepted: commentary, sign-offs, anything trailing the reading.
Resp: 3:25
